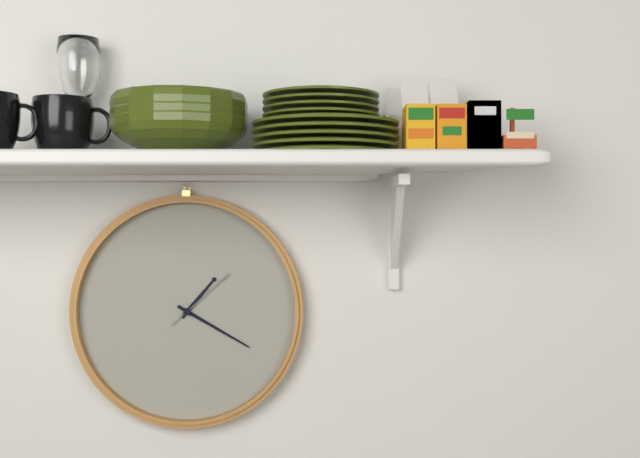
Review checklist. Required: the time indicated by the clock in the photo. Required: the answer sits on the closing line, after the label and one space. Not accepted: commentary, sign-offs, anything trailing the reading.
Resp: 1:20:08
